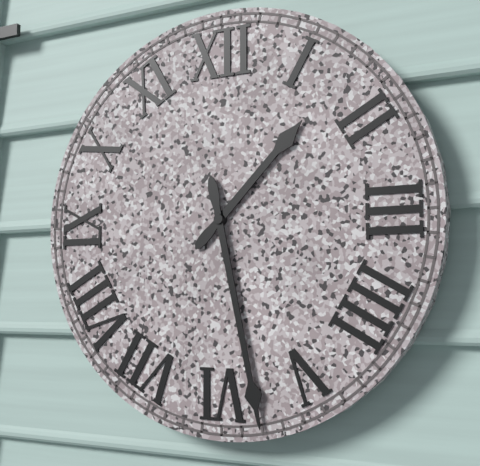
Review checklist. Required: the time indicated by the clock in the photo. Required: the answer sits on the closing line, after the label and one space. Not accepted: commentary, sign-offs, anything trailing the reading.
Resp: 1:28
